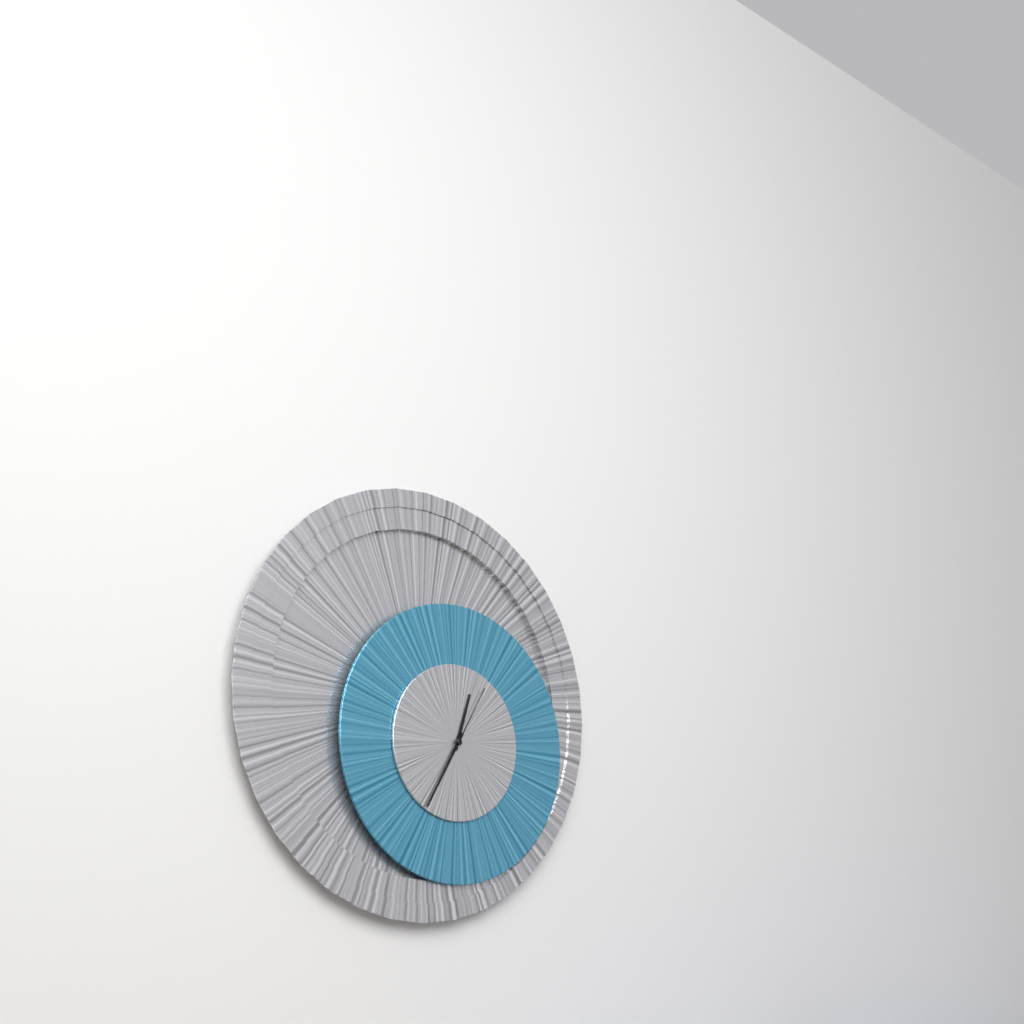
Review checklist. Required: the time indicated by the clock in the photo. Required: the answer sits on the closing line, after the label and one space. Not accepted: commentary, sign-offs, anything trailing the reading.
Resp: 12:35:05
